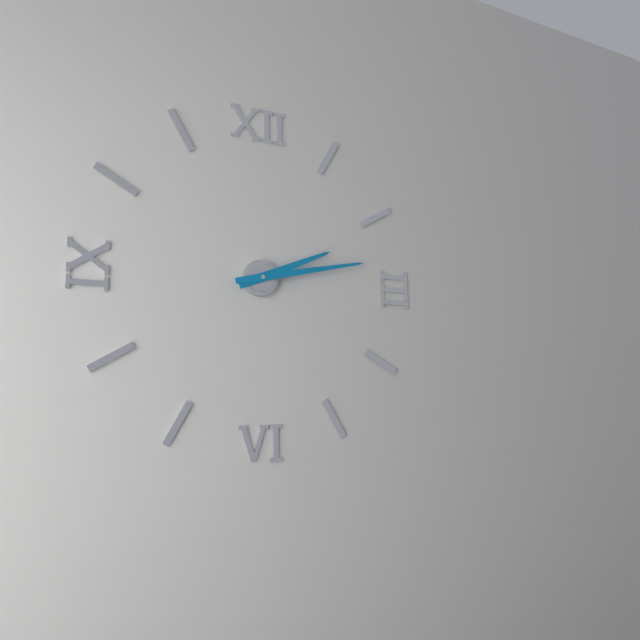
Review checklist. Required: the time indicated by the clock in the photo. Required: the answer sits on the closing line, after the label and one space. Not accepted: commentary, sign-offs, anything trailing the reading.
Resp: 2:13
